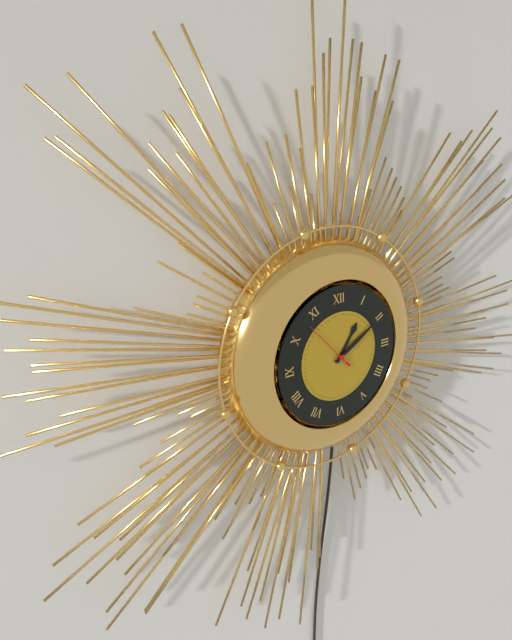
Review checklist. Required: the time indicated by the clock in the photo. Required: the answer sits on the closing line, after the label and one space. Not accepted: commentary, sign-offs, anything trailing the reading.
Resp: 1:10:53
